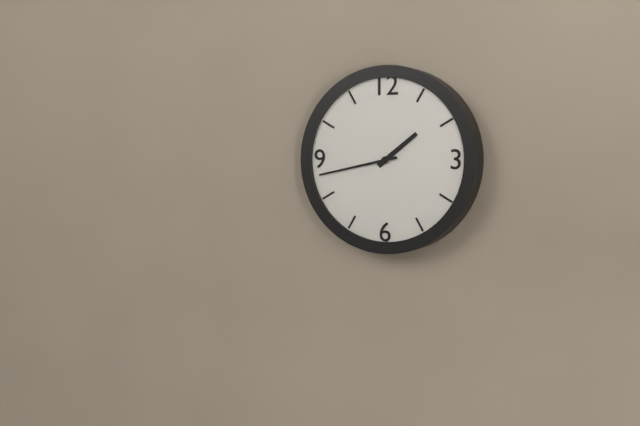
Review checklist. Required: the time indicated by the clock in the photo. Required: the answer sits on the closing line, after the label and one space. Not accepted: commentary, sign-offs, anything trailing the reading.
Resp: 1:43
